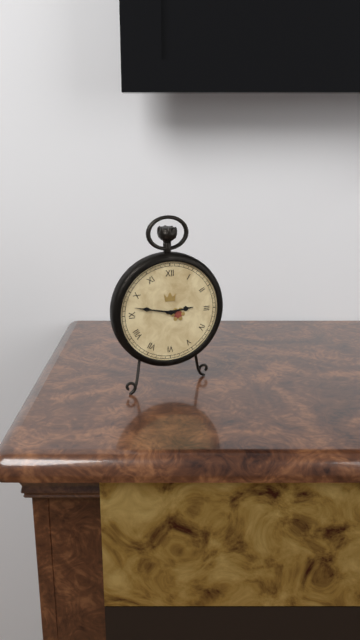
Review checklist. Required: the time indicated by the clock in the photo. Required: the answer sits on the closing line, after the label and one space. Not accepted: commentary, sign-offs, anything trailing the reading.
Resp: 2:47
